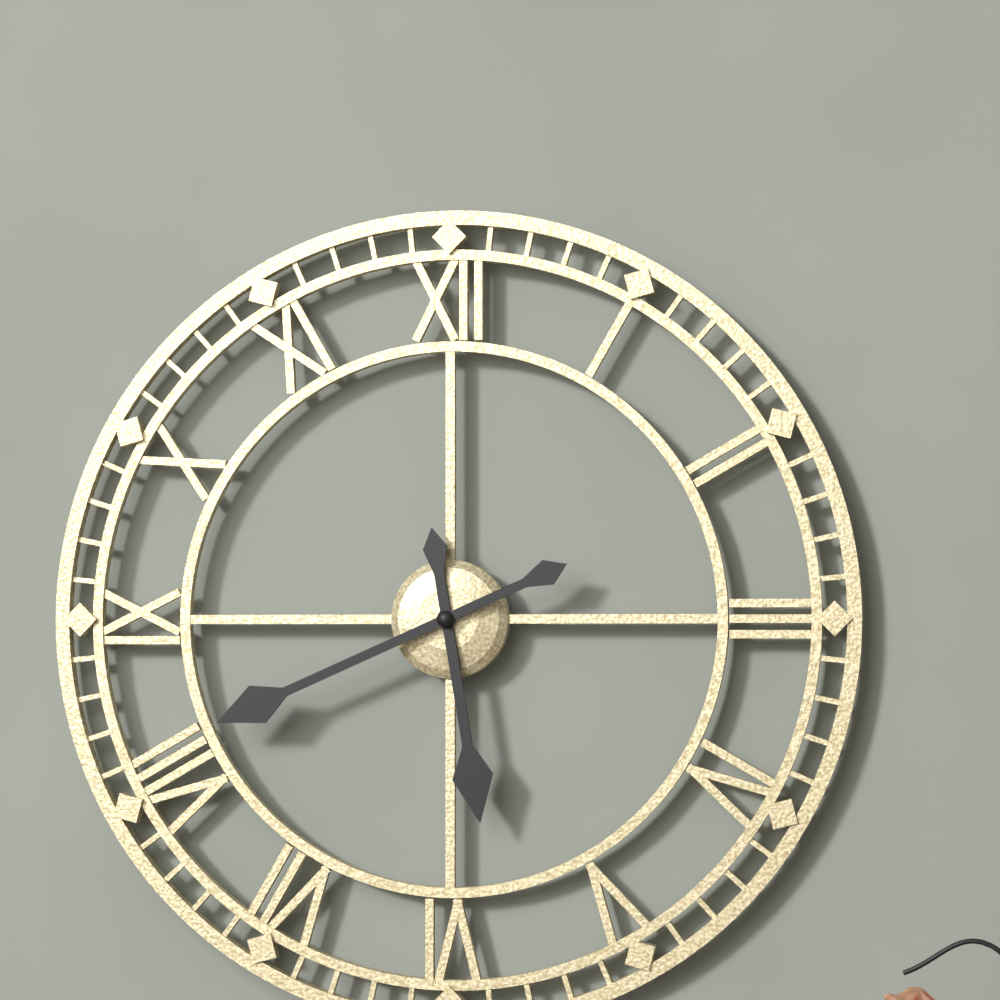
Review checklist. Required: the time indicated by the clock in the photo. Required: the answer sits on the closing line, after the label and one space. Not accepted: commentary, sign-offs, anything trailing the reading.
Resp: 5:41
